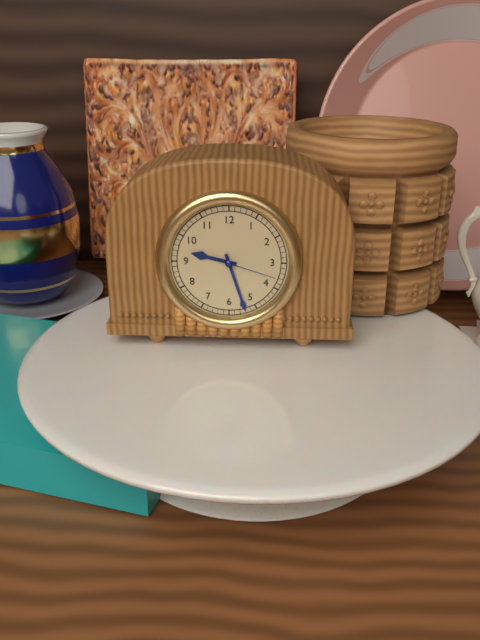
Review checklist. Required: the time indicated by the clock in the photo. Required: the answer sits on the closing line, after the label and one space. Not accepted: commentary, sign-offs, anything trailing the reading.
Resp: 9:27:18
